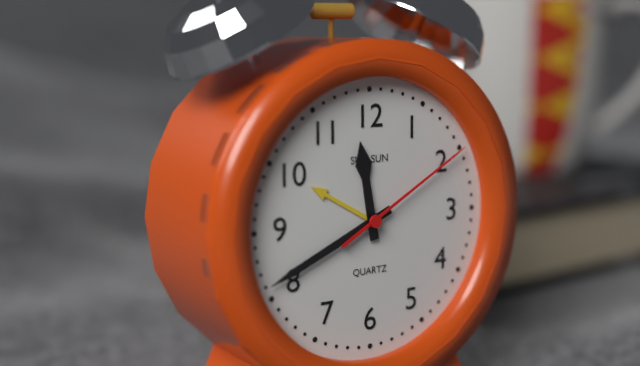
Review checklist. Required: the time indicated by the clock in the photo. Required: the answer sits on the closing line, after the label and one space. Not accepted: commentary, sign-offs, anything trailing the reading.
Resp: 11:41:10
